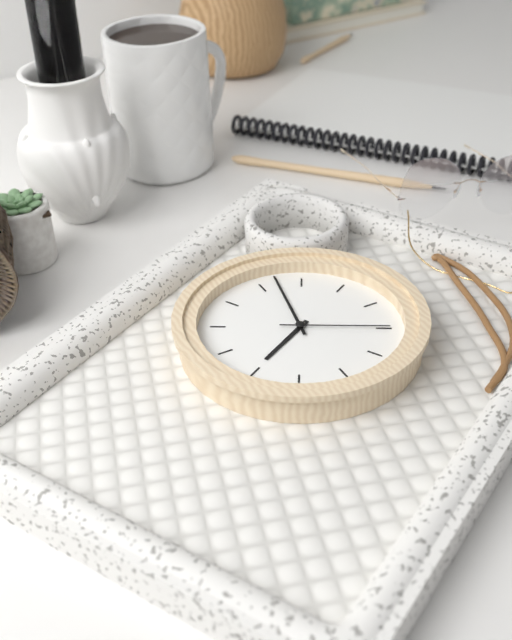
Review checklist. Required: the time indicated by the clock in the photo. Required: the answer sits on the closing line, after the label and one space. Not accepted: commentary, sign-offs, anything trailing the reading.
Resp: 8:02:20
